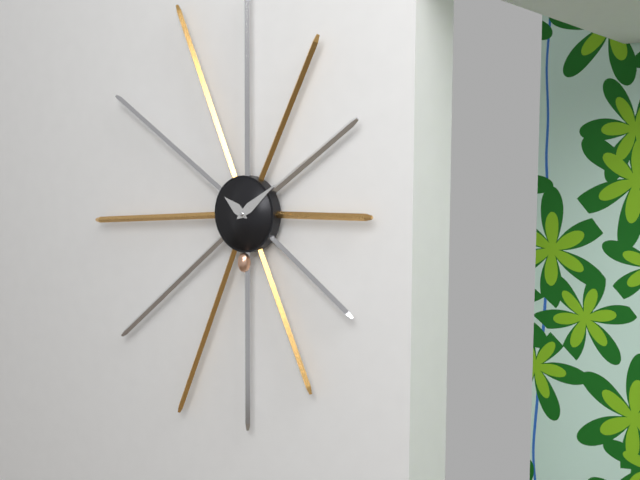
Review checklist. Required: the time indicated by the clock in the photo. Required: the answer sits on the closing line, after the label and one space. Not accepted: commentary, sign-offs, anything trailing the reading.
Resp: 10:09
